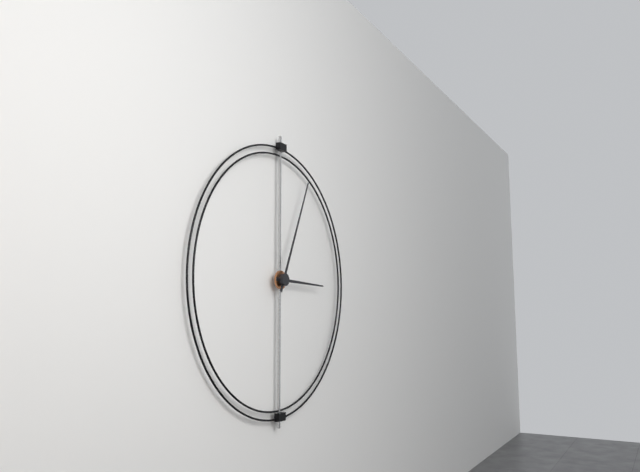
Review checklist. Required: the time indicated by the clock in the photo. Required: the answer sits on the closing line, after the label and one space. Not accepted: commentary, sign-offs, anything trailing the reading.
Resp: 3:04
